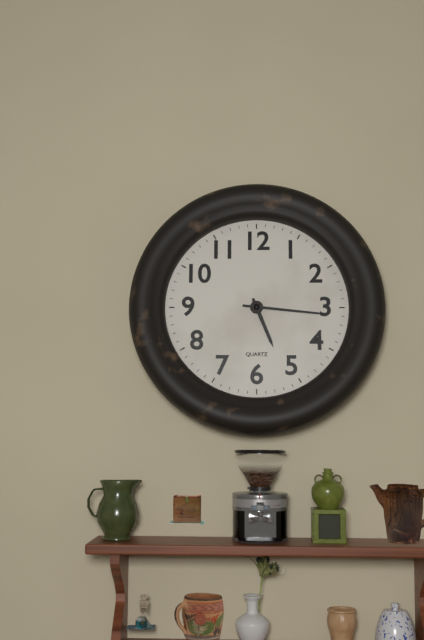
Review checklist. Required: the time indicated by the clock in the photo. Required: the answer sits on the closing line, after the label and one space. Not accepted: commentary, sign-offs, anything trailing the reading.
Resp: 5:16
